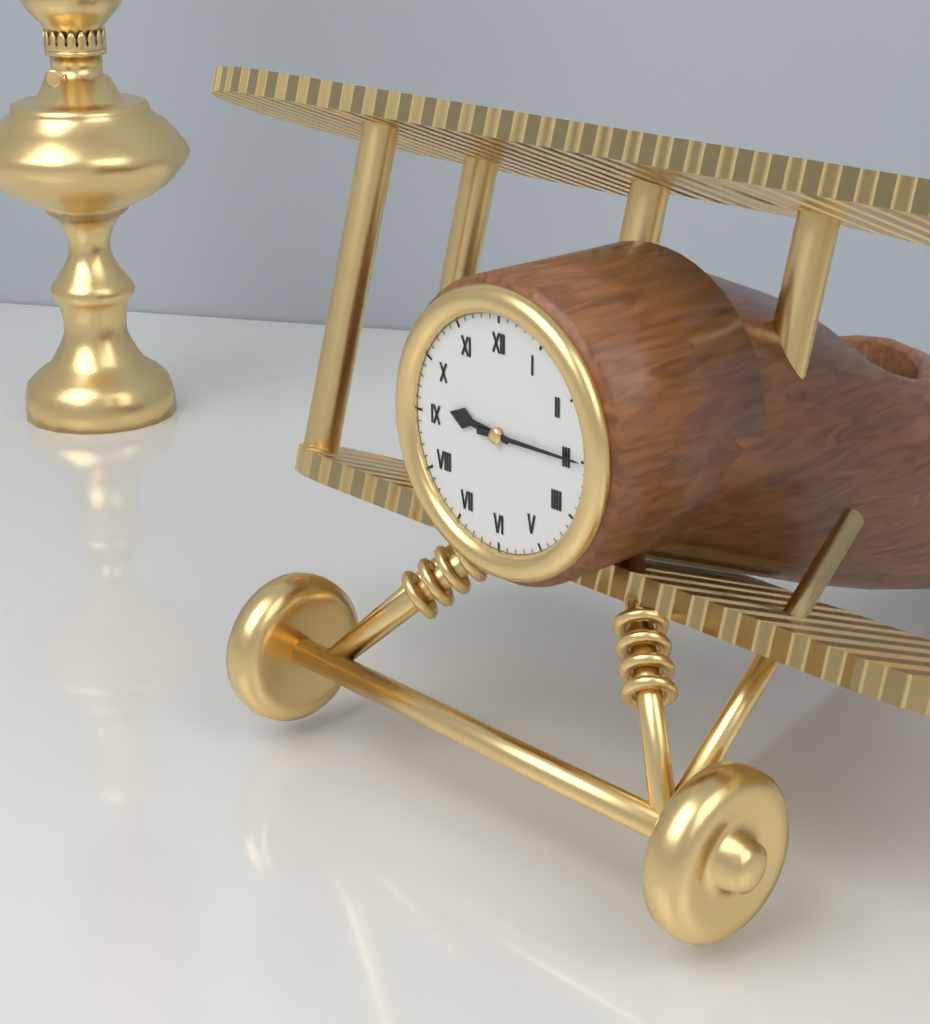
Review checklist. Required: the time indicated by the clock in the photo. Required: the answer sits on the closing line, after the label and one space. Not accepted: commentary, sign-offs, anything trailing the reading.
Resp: 9:15
